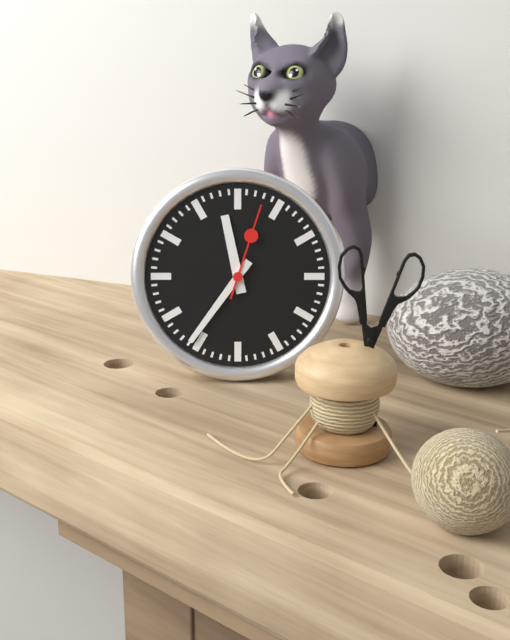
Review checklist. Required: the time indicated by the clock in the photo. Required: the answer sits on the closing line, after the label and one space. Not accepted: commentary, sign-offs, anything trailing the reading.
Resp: 11:36:03
